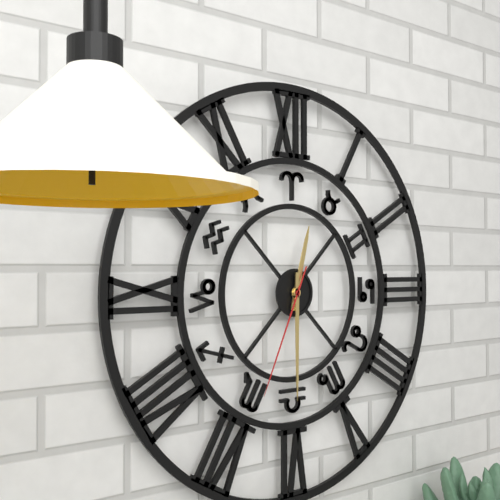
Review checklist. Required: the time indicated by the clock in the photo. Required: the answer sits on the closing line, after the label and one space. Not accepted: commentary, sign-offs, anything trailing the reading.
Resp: 12:30:34
